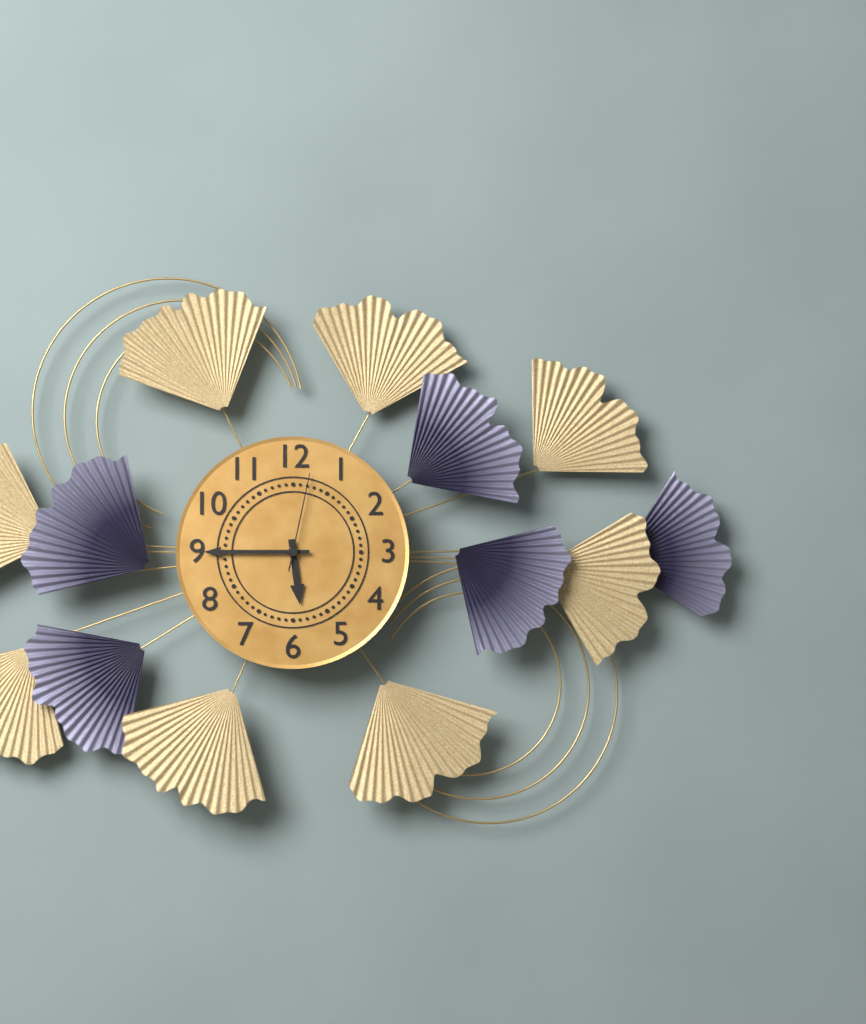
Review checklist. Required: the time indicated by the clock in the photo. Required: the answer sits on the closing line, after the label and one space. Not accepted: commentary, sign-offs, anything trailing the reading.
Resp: 5:45:02
